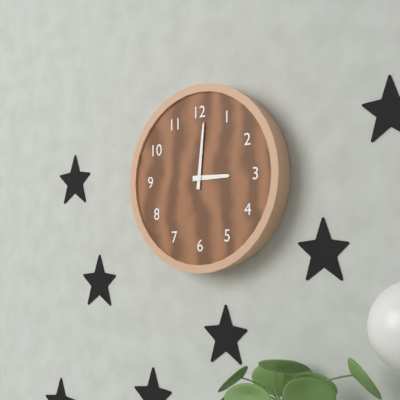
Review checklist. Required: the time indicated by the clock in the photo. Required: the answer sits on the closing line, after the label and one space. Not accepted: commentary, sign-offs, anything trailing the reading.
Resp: 3:01
